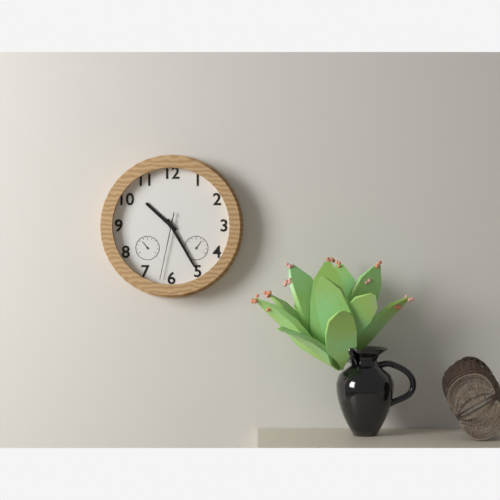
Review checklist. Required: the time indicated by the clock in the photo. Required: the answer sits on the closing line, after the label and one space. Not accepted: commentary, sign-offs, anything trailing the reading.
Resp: 10:25:32
